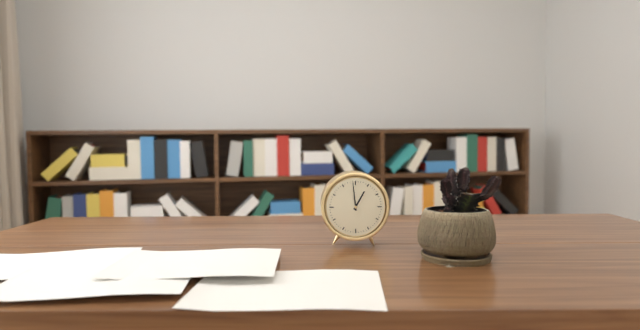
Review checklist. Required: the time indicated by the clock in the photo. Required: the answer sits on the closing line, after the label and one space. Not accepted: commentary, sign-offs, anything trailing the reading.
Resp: 12:59
